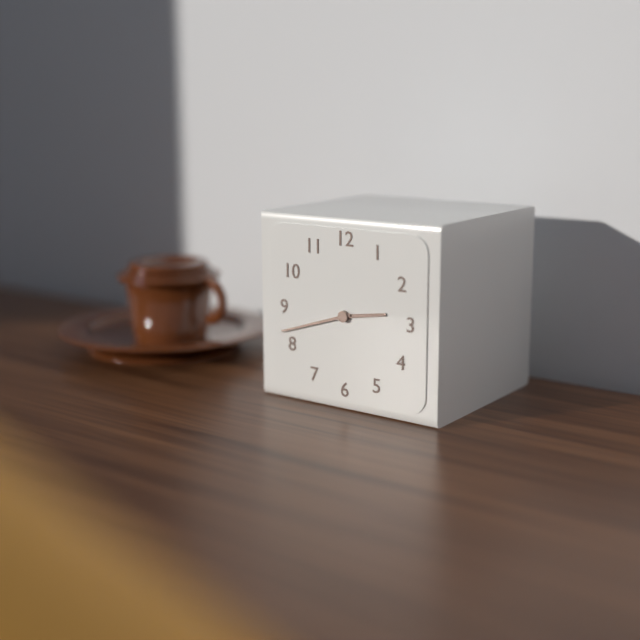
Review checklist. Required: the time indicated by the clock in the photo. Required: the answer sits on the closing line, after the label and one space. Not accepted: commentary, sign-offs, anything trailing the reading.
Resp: 2:42
